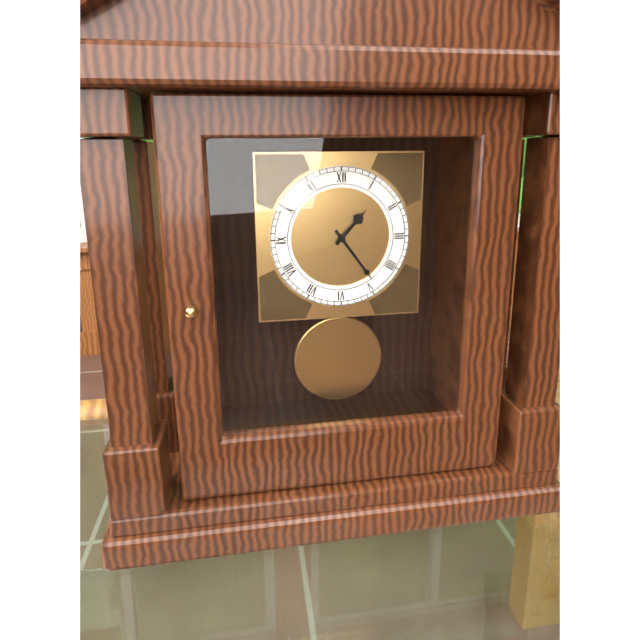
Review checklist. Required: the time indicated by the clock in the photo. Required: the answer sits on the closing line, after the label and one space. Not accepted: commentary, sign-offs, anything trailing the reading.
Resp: 1:24
